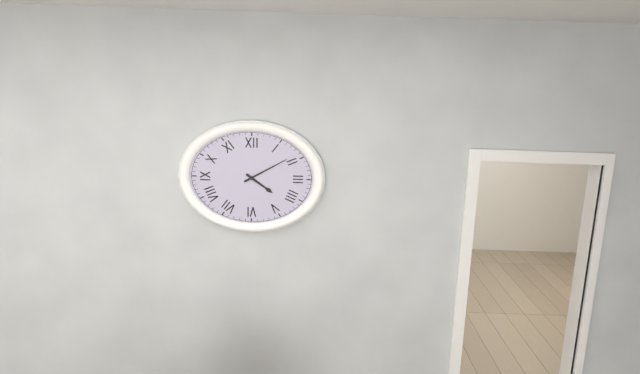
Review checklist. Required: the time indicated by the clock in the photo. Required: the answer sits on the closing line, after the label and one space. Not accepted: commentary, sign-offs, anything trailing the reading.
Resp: 4:10
